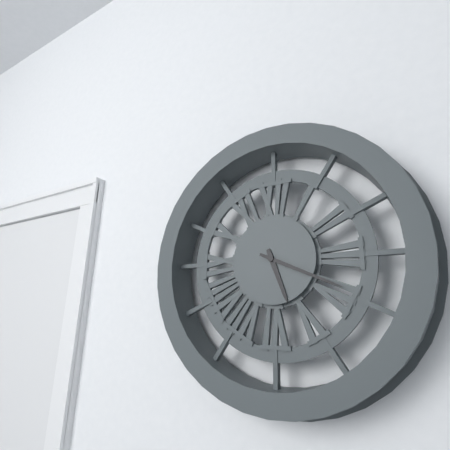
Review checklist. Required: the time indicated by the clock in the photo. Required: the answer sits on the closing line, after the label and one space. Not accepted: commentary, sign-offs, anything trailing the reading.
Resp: 5:19
